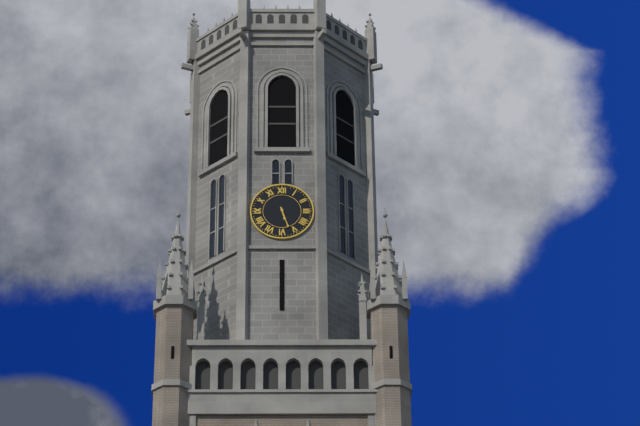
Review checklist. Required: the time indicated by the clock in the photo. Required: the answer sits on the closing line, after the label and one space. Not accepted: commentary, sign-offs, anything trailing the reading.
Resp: 5:27
